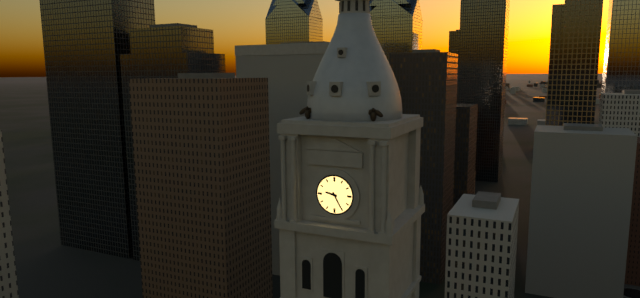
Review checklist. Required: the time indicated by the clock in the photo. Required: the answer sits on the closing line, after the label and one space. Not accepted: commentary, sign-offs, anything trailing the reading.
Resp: 9:25
